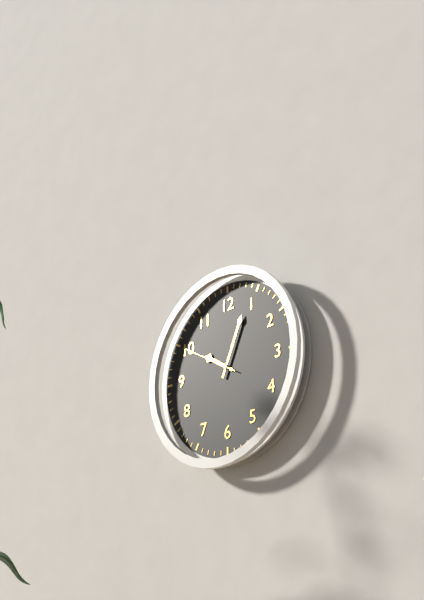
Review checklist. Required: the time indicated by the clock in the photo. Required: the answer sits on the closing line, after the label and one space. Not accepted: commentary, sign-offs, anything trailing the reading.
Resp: 10:04:50
